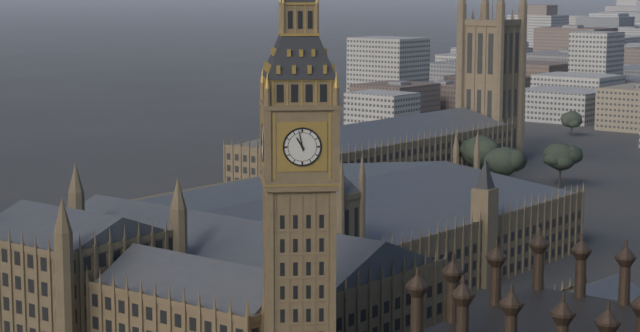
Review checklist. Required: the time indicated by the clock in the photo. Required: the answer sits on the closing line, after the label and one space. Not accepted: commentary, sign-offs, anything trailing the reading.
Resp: 10:58
